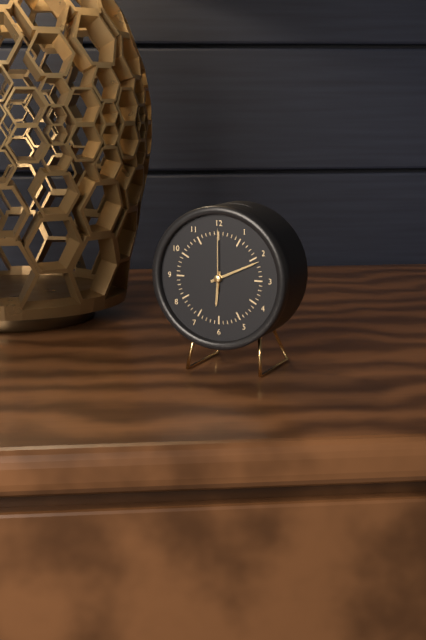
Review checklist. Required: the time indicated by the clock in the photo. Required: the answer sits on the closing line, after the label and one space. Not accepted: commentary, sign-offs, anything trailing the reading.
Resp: 6:11:00
